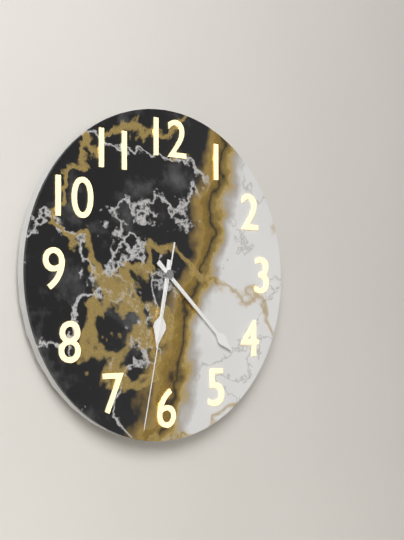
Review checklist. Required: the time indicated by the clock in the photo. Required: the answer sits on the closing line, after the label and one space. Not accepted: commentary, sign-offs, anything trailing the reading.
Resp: 6:22:32
